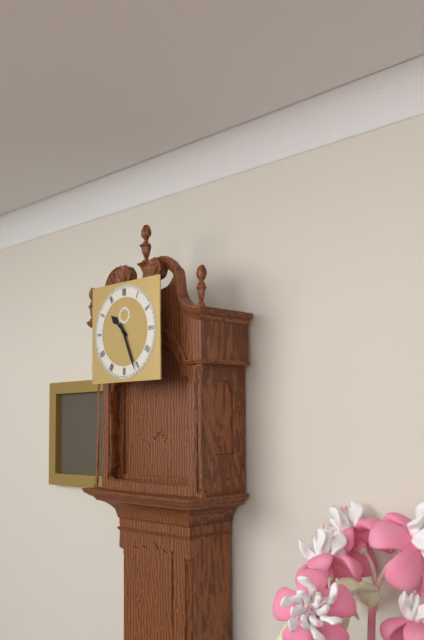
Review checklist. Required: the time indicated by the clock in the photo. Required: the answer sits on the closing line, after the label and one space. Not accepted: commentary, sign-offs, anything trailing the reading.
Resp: 10:26
